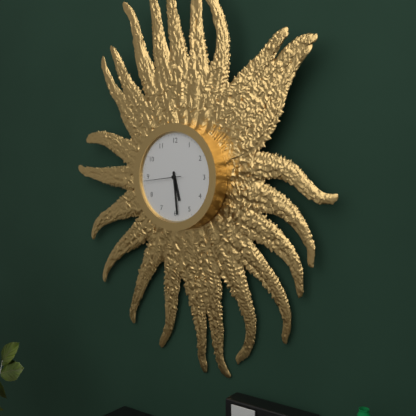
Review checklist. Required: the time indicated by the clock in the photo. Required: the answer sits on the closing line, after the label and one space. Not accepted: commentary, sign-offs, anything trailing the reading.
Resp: 5:29
